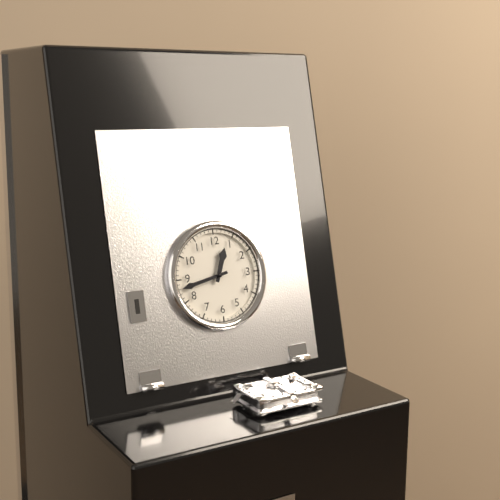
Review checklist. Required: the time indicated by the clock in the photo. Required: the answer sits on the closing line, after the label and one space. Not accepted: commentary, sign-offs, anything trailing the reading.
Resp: 12:43
